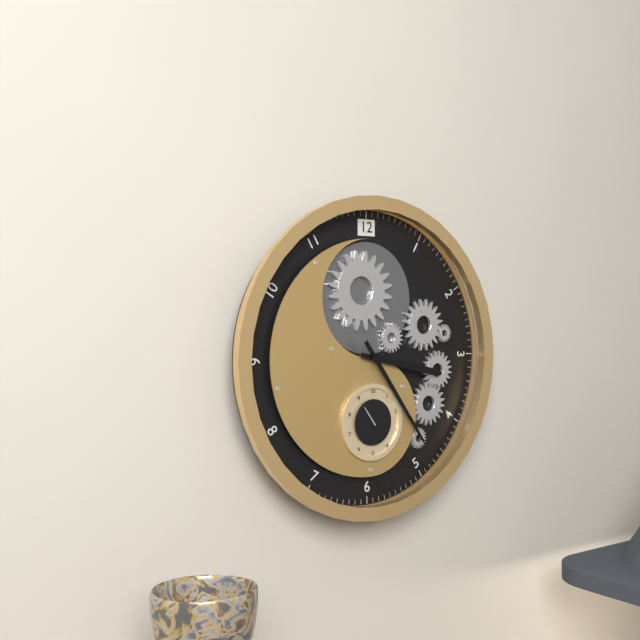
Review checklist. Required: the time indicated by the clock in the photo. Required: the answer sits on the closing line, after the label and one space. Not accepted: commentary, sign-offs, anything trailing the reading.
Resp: 3:24
